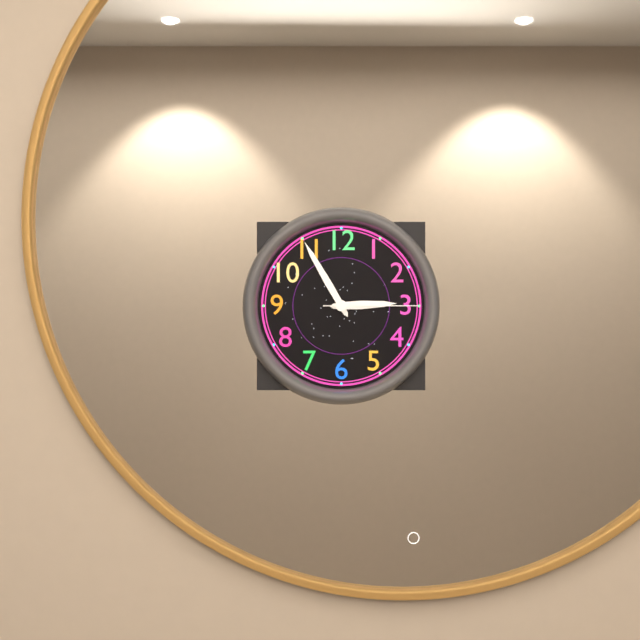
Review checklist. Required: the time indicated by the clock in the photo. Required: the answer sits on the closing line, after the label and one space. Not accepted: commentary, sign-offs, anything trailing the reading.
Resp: 2:55:15
